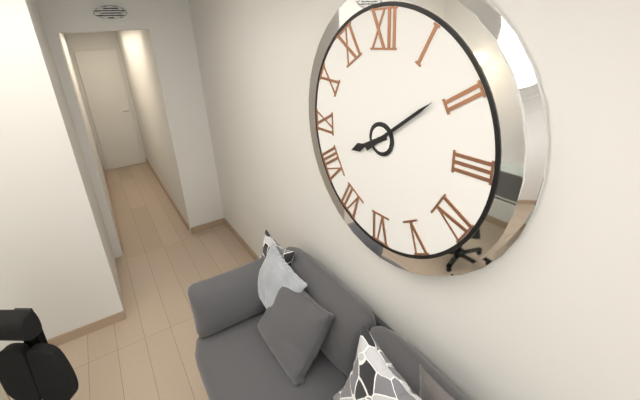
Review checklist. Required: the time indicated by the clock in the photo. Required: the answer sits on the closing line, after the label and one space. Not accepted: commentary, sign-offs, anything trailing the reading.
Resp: 8:09
